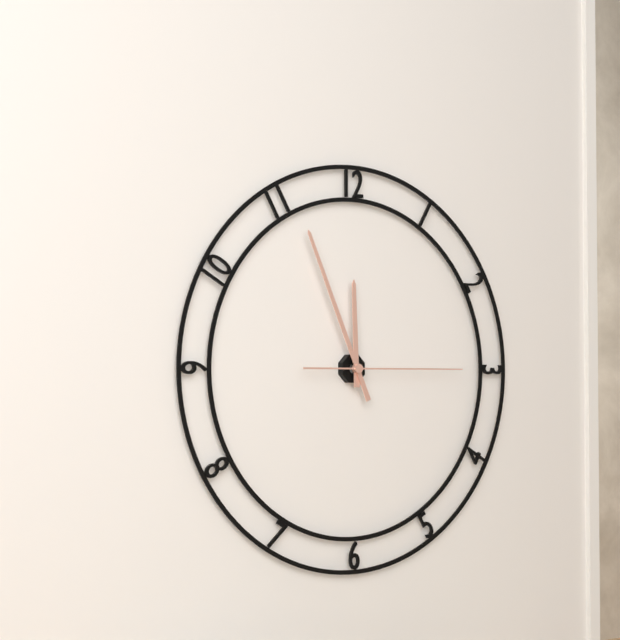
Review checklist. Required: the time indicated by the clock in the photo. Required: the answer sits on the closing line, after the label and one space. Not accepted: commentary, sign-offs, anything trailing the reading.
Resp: 11:56:15
